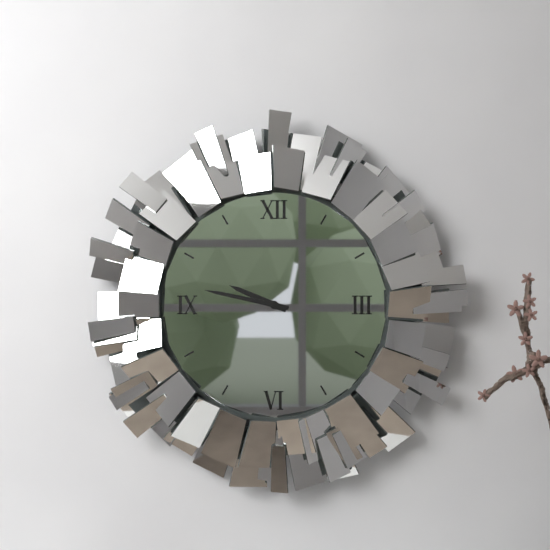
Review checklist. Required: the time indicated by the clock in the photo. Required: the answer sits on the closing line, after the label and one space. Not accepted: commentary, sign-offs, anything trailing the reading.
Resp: 9:47
